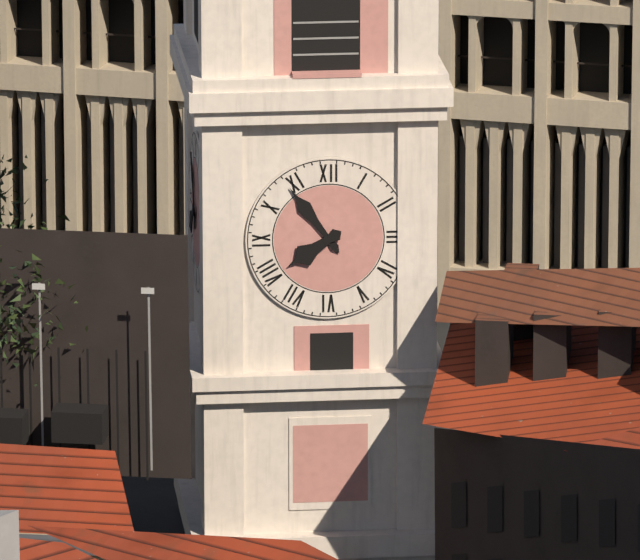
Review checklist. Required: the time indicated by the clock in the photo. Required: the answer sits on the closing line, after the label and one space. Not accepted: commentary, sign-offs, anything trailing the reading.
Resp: 7:54
